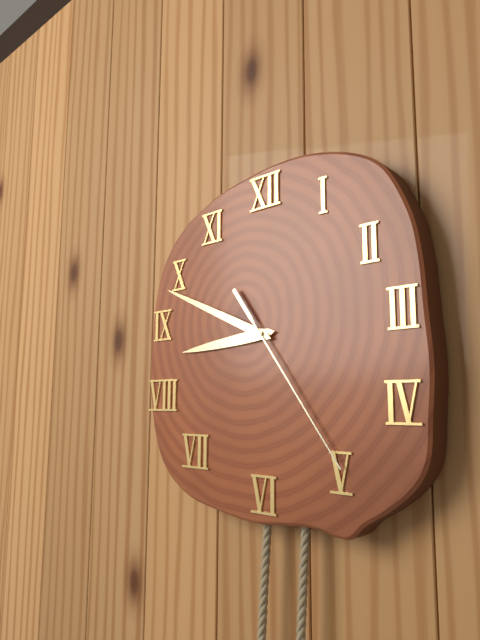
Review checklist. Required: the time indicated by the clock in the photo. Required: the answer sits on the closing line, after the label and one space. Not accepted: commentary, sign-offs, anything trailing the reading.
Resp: 8:49:24
